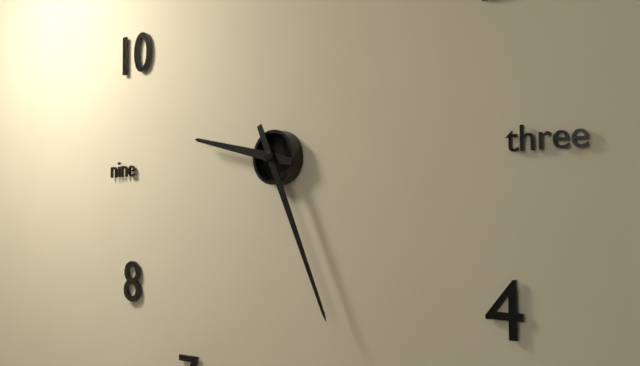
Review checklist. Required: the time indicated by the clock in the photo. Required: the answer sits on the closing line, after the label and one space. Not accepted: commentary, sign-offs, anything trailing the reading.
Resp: 9:26
